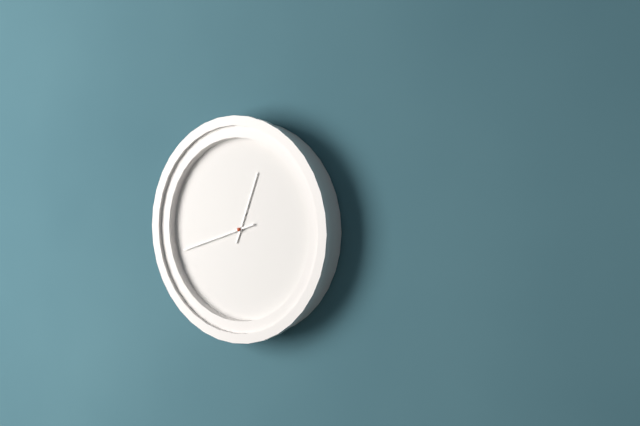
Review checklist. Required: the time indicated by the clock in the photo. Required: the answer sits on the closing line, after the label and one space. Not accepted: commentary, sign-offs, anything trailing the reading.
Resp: 12:42
